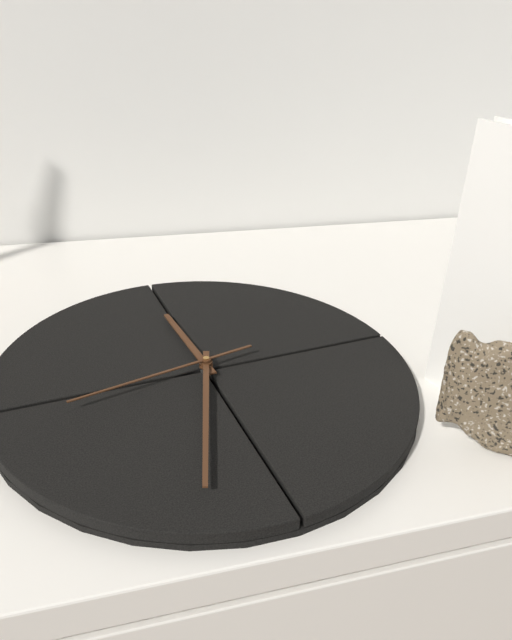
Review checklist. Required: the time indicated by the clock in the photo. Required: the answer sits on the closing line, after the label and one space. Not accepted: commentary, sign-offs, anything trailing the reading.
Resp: 12:37:47
